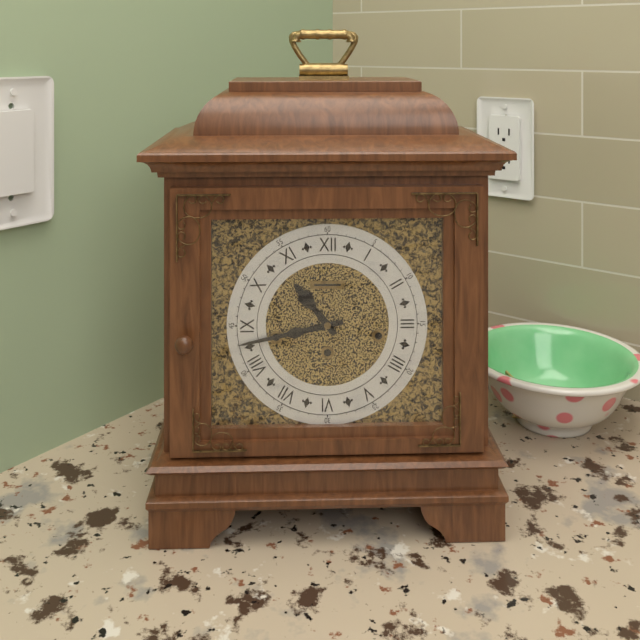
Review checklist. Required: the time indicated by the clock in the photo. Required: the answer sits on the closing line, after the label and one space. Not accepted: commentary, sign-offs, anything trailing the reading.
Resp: 10:43
